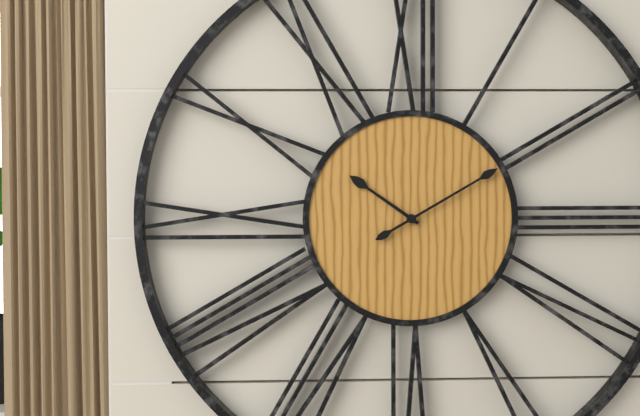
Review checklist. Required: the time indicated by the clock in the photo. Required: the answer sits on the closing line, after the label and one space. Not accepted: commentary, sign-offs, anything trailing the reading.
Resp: 10:10
